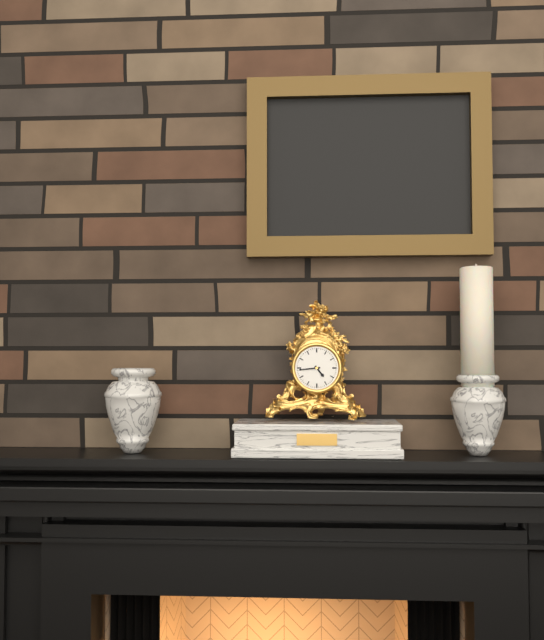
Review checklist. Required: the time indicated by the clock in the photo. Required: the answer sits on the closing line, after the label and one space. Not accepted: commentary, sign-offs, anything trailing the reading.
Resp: 4:44
